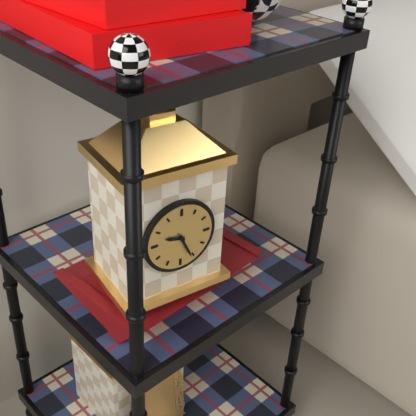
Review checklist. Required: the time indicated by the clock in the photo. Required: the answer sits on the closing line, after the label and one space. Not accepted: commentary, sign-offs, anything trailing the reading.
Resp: 9:26
